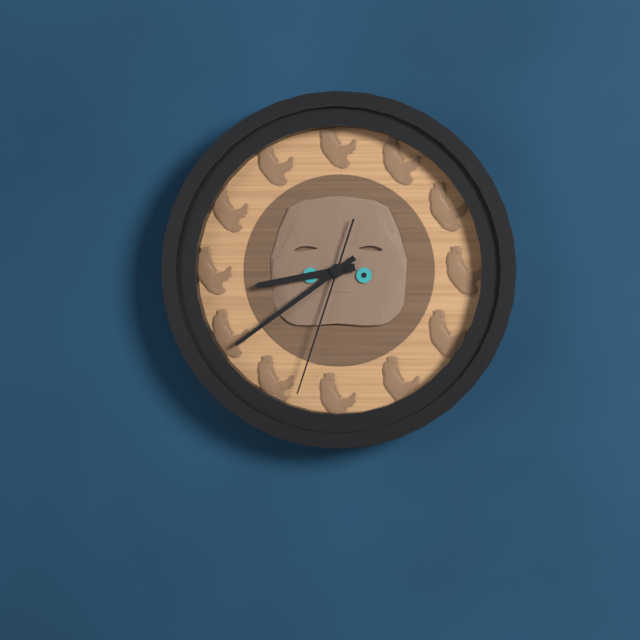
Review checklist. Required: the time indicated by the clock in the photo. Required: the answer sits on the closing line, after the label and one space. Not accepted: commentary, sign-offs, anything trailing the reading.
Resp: 8:39:33
